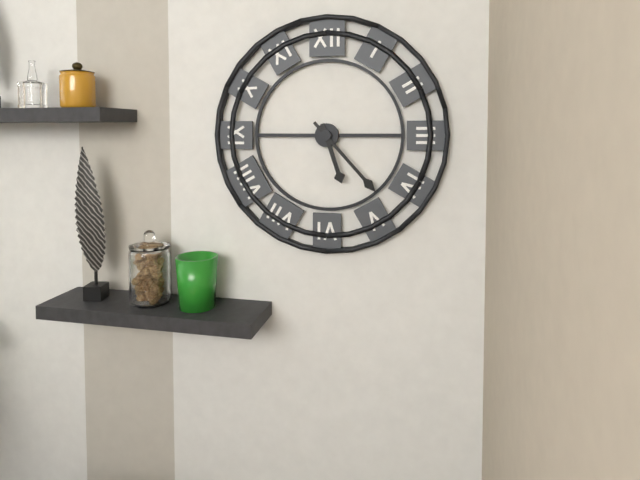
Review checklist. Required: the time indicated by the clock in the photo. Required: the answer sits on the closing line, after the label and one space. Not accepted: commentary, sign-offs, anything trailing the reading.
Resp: 5:23
